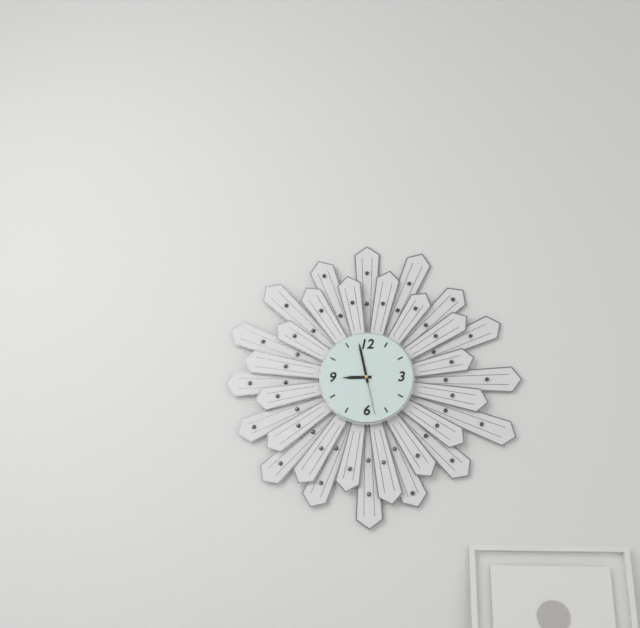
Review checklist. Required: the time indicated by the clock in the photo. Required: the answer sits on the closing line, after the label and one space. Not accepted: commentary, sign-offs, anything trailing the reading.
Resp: 8:58
